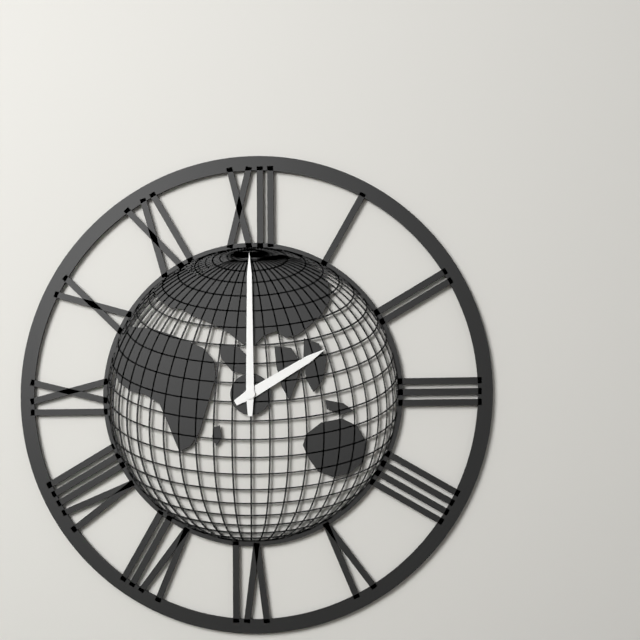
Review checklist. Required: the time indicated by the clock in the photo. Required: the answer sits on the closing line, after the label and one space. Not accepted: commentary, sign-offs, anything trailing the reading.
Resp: 2:00
